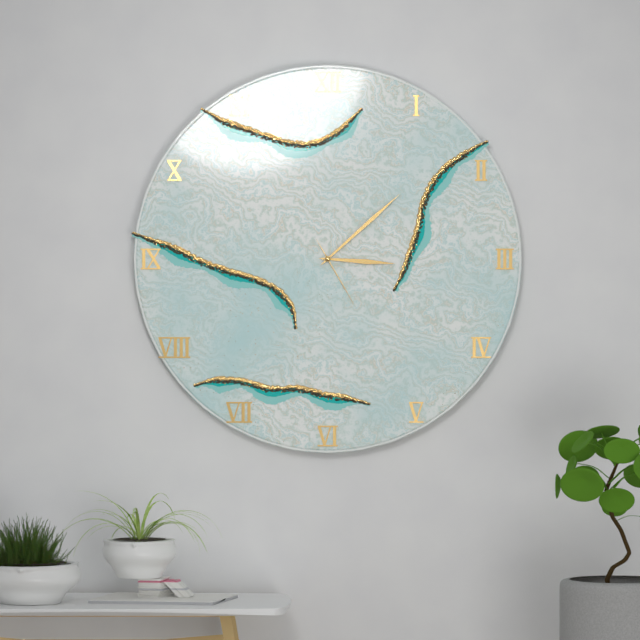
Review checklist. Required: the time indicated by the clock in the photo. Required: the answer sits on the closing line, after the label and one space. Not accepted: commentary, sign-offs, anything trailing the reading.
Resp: 3:08:25
